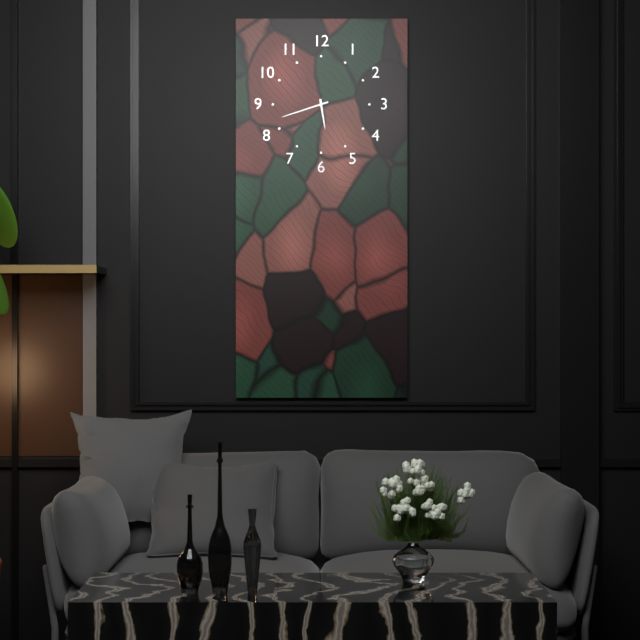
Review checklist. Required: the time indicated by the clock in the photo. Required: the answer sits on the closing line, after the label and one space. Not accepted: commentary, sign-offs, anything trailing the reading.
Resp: 5:42
